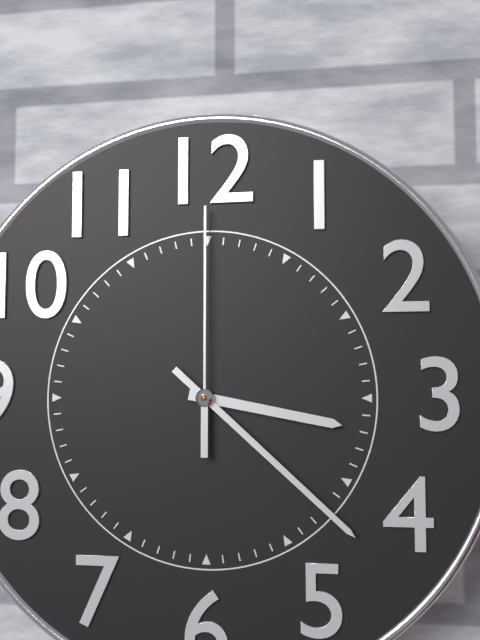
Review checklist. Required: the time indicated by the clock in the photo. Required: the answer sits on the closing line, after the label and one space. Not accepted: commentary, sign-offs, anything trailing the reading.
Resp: 3:22:00
